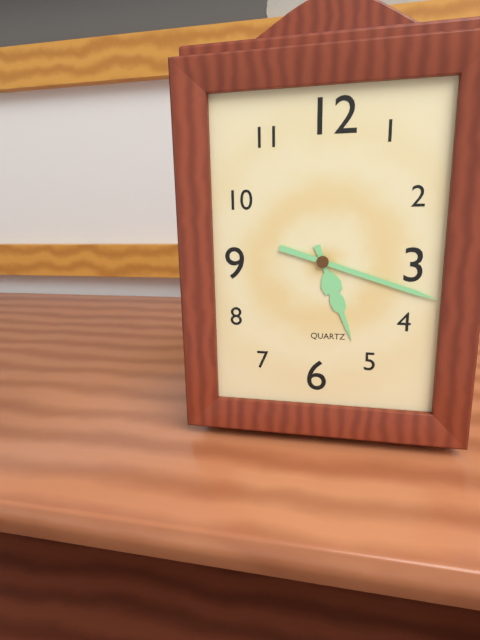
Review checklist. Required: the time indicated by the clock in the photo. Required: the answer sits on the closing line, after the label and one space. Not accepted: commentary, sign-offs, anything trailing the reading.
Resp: 5:18
